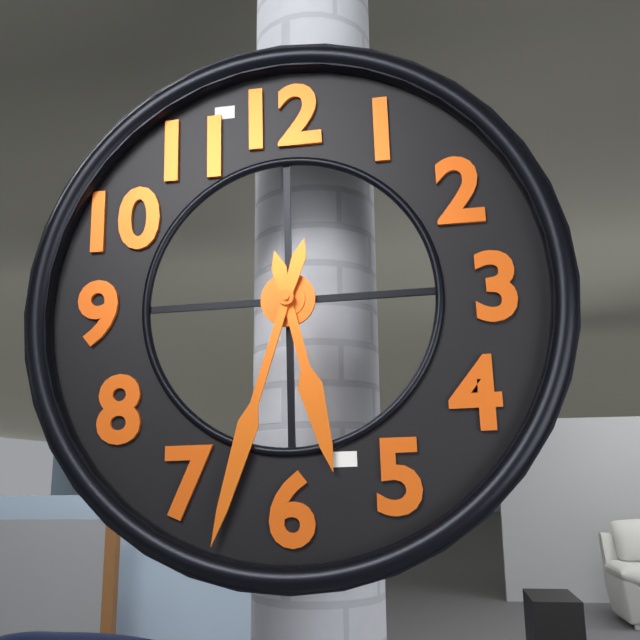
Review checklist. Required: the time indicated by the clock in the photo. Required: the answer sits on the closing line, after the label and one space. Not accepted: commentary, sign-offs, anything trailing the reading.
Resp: 5:33
